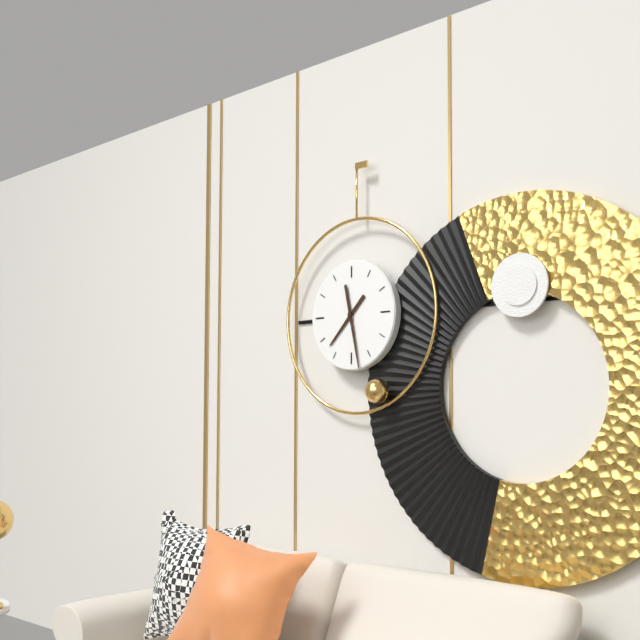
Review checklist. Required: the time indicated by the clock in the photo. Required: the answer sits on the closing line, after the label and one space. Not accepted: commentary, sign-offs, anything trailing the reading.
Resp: 7:28
